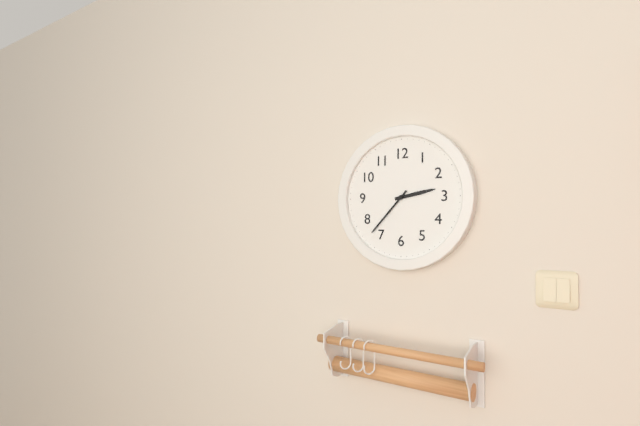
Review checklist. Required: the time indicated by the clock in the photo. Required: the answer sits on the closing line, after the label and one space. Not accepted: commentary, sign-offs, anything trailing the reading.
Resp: 2:37
